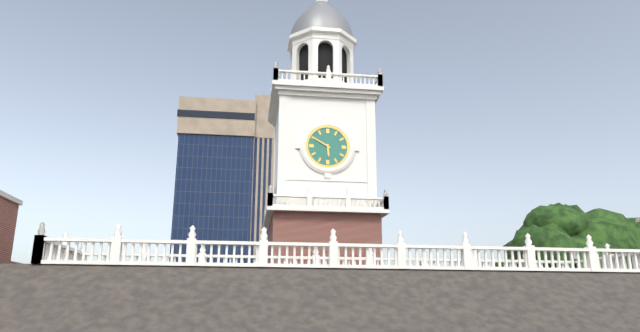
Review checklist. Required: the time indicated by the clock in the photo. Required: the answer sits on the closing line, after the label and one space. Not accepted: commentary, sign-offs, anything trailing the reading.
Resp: 5:50
